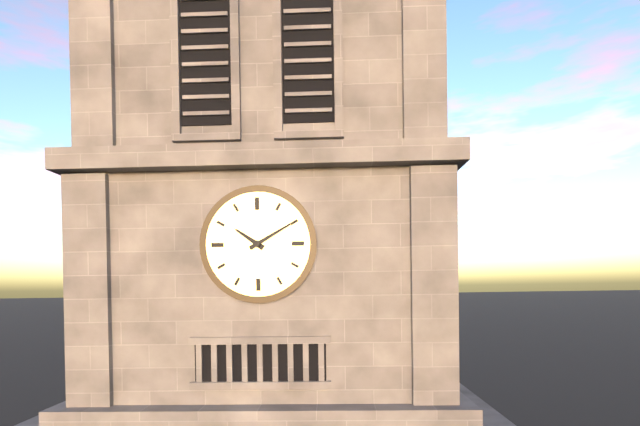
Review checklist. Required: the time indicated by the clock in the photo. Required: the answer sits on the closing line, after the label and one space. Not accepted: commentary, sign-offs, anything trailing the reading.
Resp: 10:10
